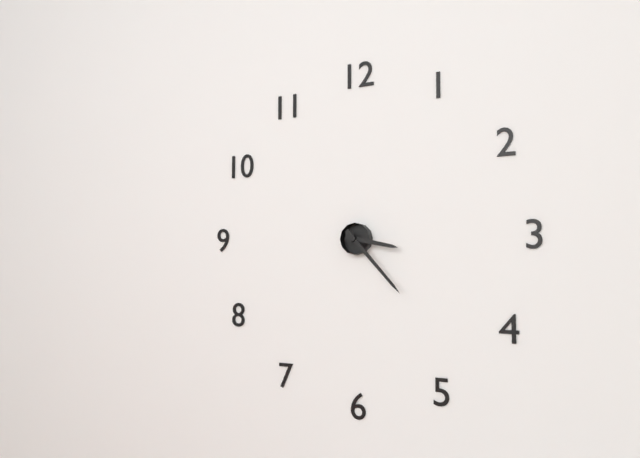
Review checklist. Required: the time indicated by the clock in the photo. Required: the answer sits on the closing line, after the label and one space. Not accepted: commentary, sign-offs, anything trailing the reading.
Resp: 3:23
